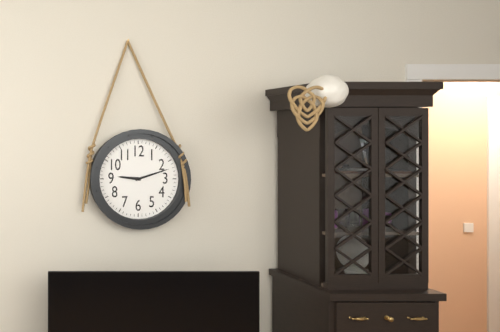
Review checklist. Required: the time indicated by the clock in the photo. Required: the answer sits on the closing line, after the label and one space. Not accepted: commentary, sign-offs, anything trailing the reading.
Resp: 9:12
